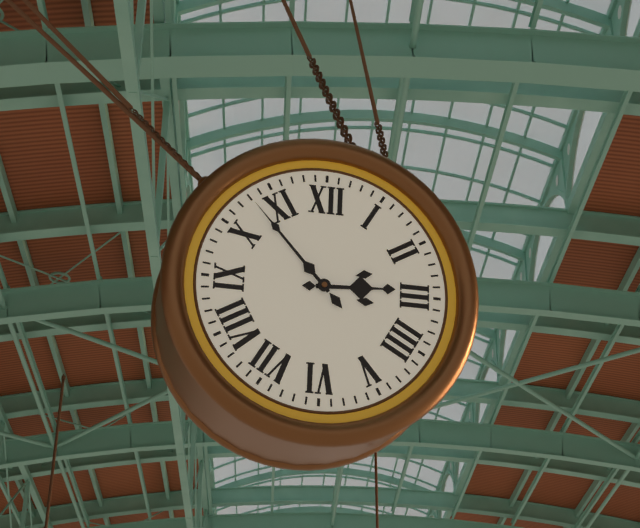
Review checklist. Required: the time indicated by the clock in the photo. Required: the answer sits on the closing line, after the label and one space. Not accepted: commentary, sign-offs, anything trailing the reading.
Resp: 2:53
